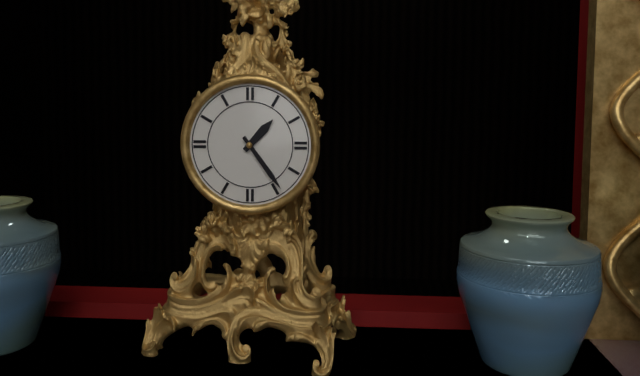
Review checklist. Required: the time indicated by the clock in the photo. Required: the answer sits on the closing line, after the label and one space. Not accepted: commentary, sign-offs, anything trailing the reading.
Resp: 1:24
